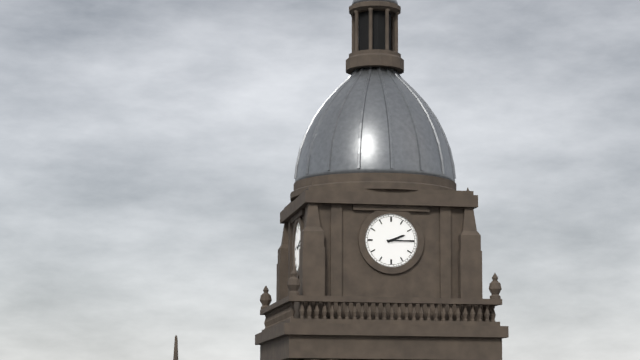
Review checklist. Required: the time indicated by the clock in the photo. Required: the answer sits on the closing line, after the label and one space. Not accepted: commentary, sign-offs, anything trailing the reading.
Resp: 2:15
